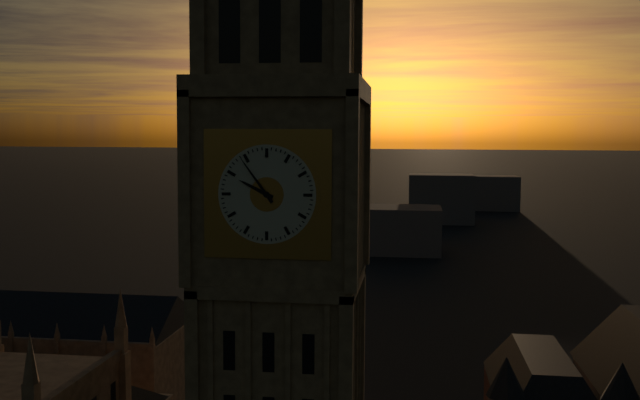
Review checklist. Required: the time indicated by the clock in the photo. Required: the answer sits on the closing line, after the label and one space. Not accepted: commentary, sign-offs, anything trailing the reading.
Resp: 9:54
